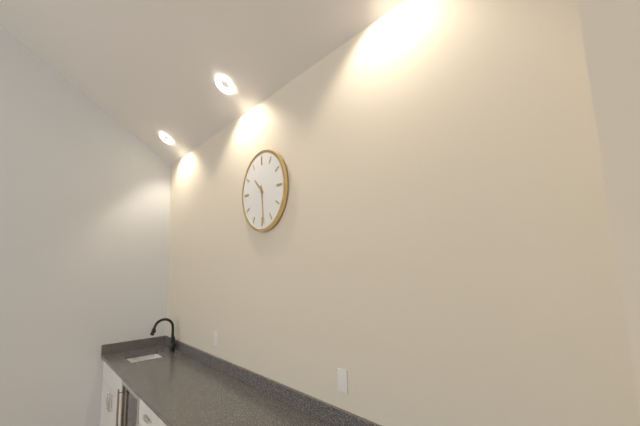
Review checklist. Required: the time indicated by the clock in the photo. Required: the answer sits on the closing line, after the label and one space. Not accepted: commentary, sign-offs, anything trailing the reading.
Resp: 10:29
